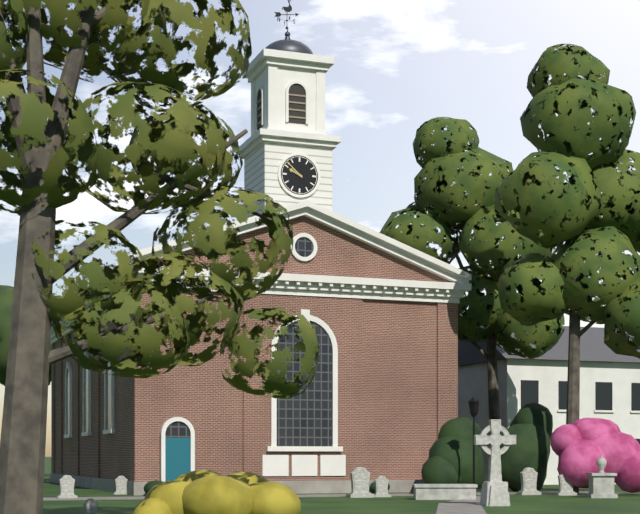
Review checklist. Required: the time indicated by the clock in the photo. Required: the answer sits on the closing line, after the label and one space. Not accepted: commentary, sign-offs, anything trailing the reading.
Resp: 9:52
